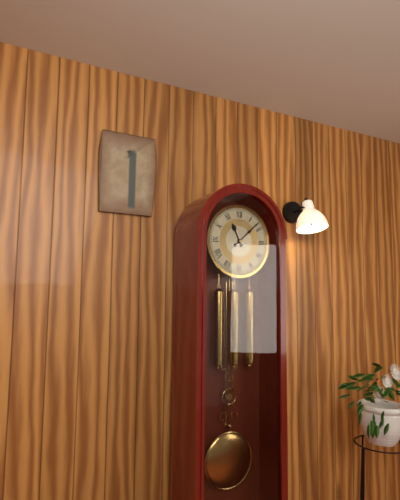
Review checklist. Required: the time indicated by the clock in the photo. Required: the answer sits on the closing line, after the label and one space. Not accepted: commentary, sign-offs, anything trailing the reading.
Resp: 11:08
